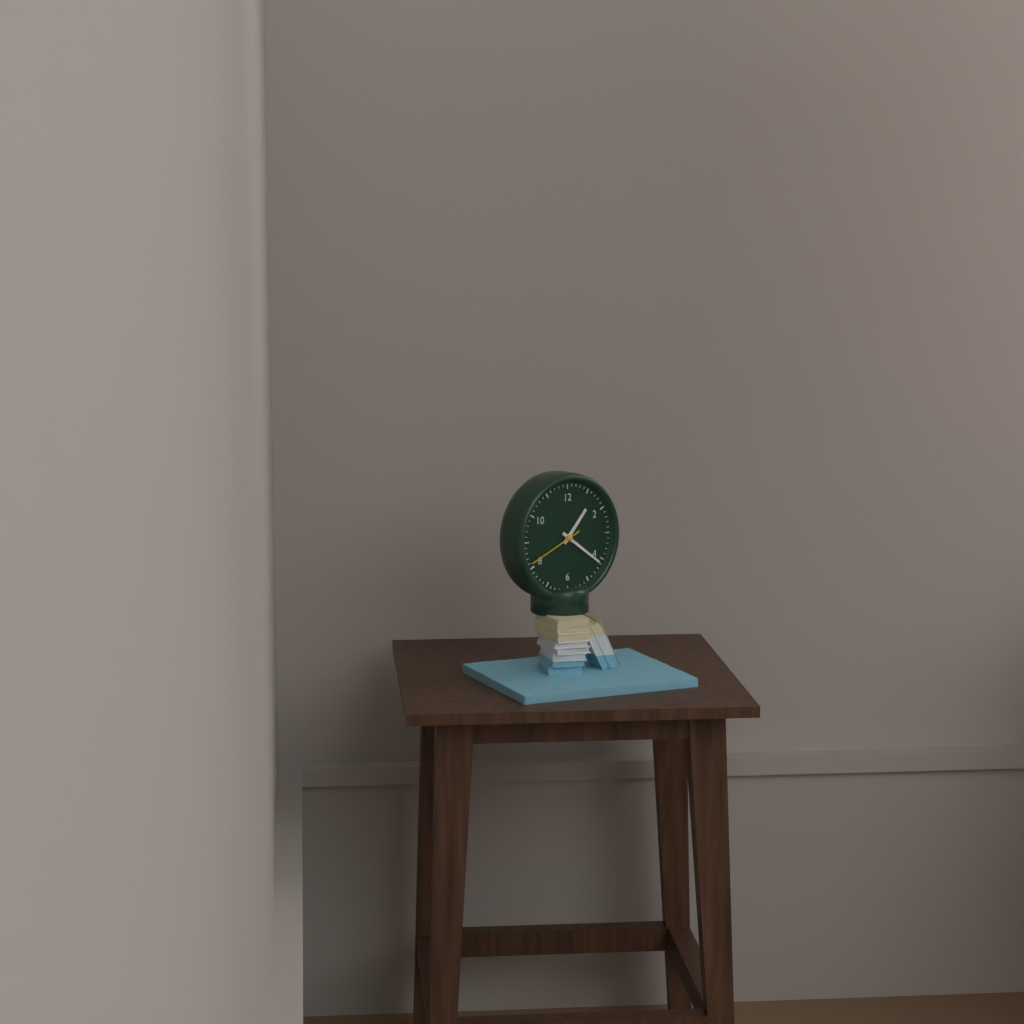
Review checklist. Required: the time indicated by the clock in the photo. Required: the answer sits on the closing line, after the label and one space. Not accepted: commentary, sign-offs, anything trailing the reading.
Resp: 1:21:41
